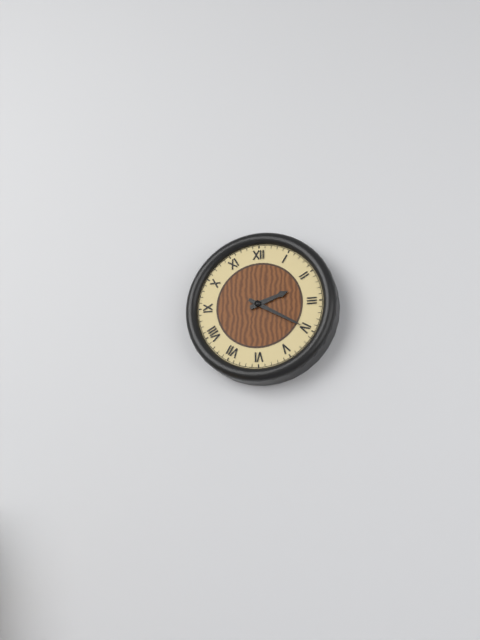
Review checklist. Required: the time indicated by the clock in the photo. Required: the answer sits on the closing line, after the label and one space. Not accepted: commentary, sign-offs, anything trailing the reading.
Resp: 2:20
